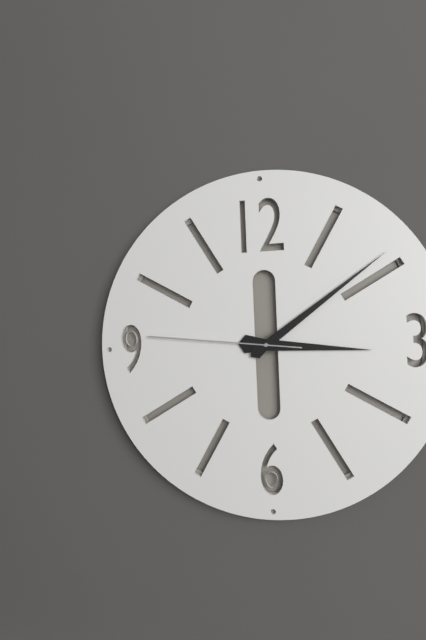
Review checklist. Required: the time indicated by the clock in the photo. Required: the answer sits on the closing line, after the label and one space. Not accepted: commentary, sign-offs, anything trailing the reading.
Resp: 3:09:46
